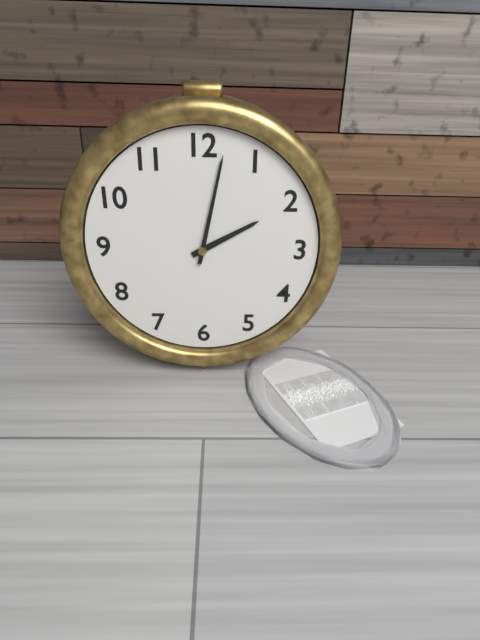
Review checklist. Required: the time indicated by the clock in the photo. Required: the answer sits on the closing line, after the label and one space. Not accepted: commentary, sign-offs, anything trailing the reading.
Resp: 2:02
